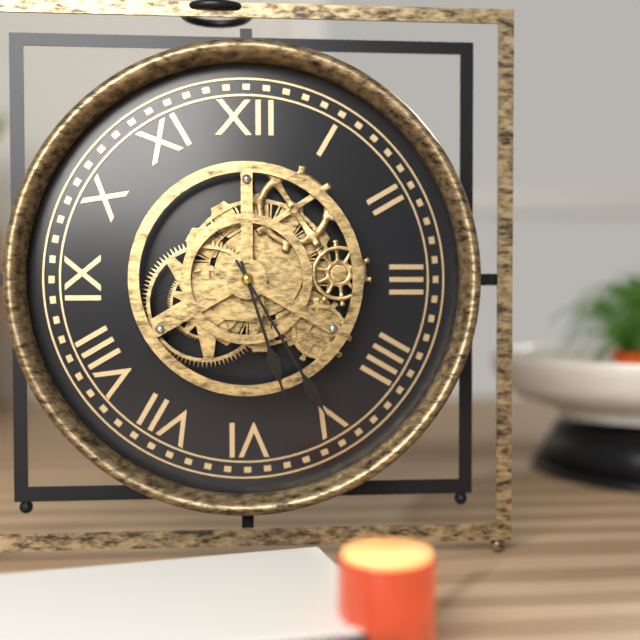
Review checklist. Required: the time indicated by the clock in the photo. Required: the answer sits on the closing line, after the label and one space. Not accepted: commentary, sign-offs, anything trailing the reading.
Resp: 5:25
